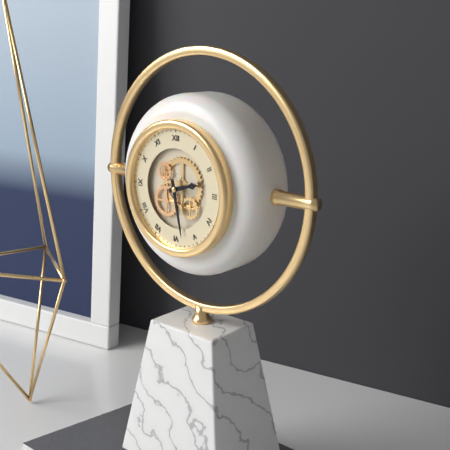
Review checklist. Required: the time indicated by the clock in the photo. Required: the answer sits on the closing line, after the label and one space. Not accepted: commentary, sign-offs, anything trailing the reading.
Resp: 2:28
